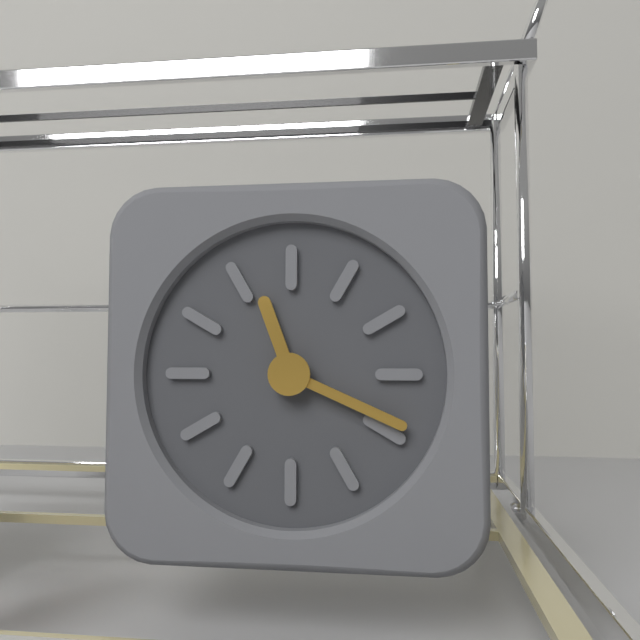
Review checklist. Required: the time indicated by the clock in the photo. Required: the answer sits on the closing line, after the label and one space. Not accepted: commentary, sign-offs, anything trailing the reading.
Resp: 11:19
